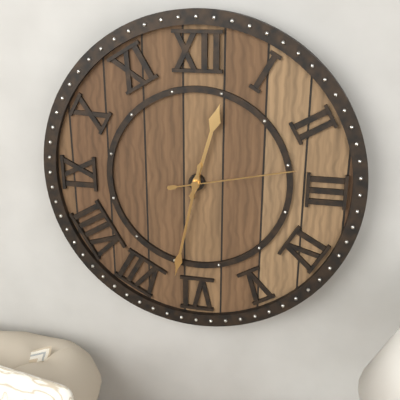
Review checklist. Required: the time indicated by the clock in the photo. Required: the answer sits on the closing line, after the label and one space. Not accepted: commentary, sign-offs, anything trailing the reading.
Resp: 12:32:13
